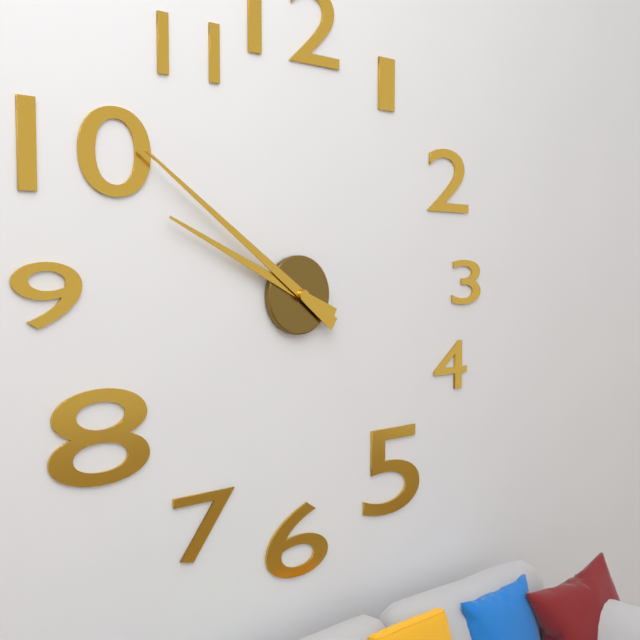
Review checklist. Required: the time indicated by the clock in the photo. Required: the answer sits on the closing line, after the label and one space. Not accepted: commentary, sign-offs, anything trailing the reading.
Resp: 9:51
